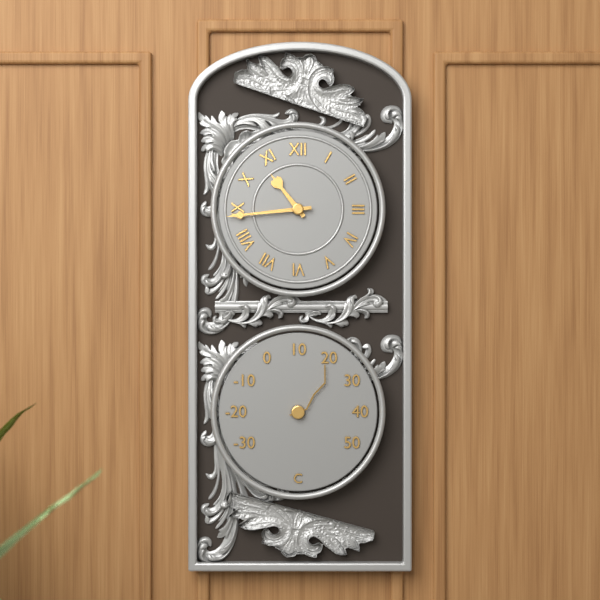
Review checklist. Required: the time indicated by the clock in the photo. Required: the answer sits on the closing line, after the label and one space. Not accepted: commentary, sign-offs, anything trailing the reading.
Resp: 10:44
